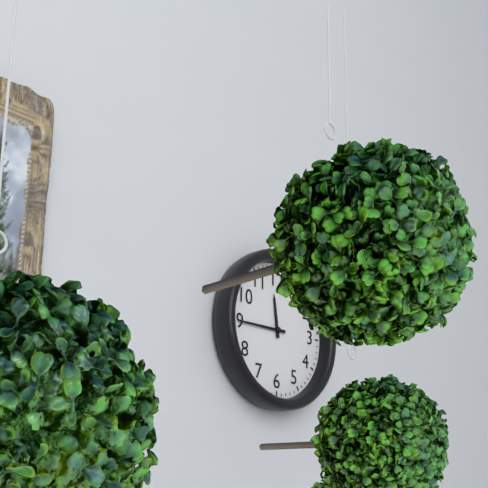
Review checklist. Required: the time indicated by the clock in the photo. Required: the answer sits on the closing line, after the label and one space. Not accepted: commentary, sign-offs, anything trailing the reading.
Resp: 11:45
